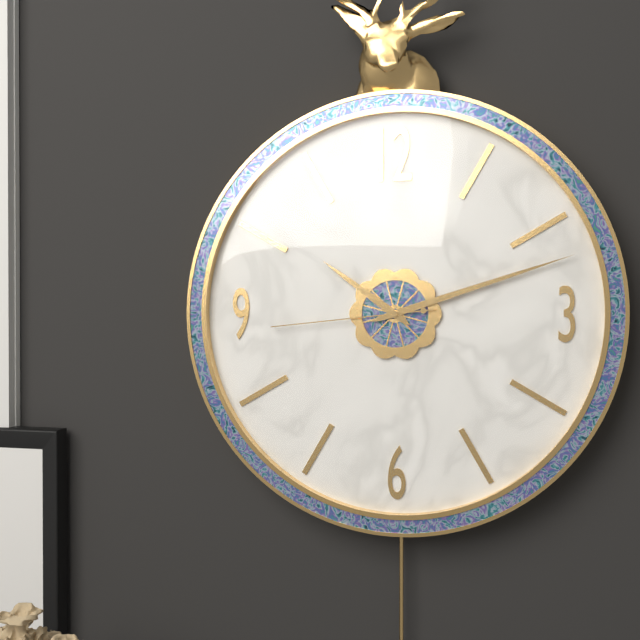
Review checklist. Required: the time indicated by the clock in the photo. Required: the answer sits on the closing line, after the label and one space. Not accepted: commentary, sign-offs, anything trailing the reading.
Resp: 10:12:44
